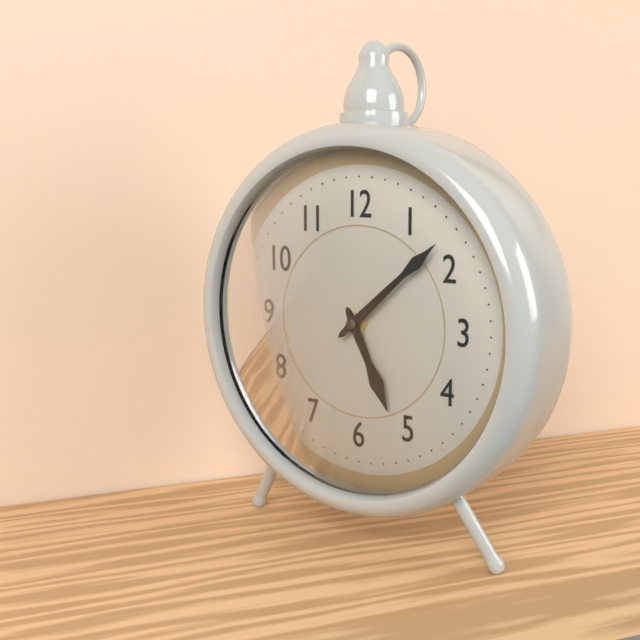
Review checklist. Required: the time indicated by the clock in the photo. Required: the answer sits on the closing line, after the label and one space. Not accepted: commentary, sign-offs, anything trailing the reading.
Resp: 5:08
